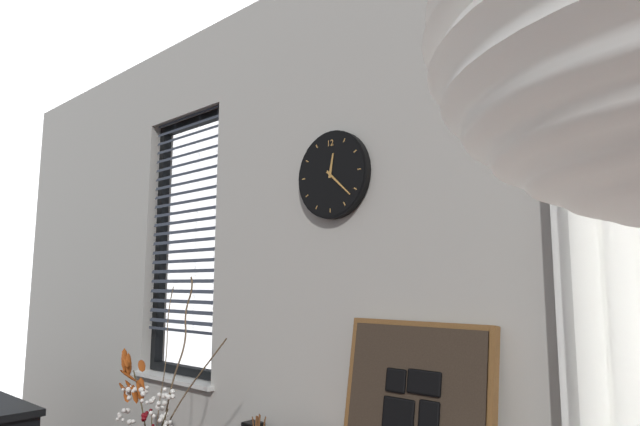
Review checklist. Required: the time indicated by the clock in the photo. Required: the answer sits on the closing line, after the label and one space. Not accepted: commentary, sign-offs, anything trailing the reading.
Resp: 12:22
